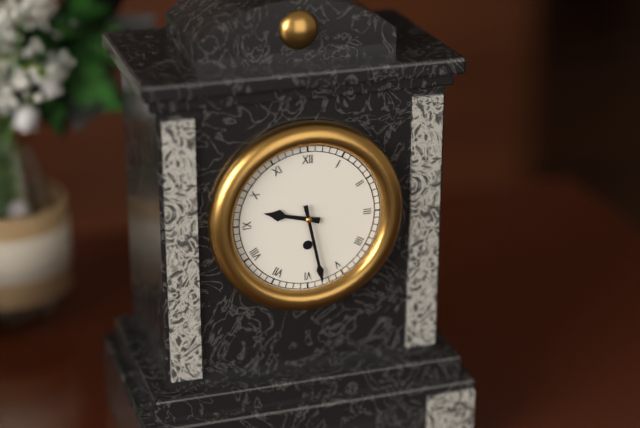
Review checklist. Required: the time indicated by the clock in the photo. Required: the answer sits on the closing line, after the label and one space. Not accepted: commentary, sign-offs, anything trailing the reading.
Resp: 9:28
